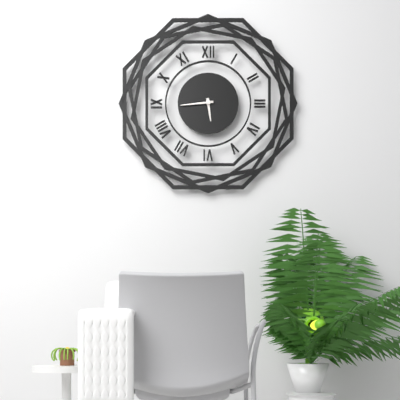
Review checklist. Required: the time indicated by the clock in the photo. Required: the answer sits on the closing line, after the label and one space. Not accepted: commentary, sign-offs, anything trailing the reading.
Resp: 5:44
